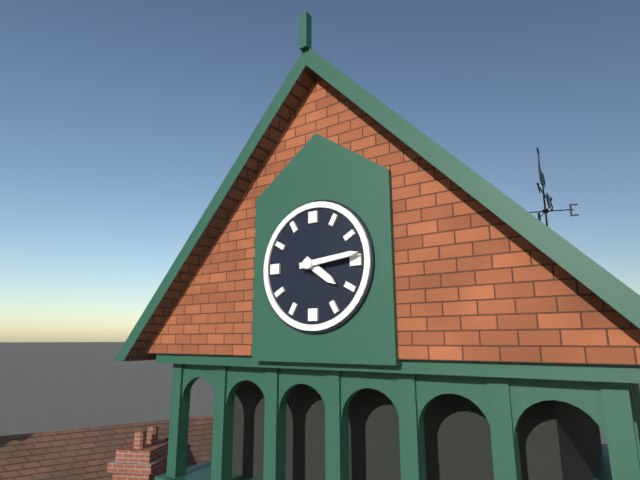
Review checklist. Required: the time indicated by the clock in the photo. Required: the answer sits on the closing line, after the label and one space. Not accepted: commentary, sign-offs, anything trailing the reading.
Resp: 4:14
